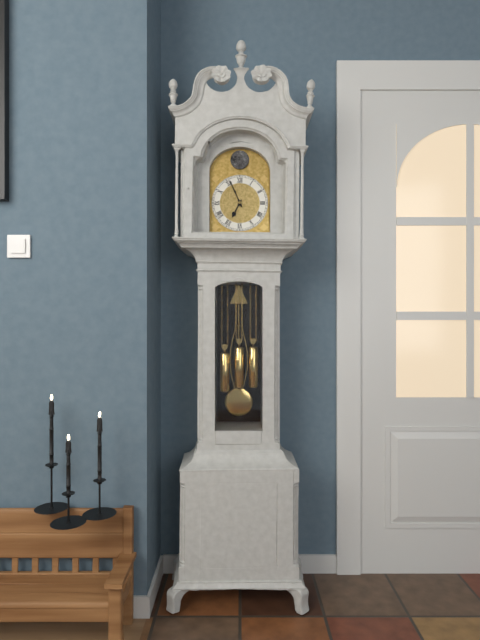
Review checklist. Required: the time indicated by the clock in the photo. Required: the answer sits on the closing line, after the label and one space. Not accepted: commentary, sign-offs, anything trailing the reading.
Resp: 6:56
